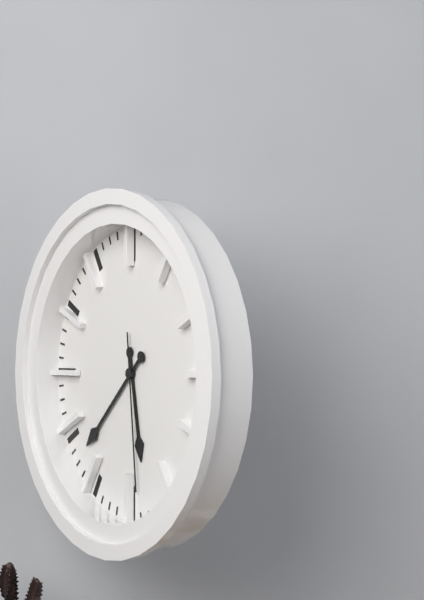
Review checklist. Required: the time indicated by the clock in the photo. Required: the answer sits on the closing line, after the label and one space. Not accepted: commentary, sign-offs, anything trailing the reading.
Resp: 5:38:29
